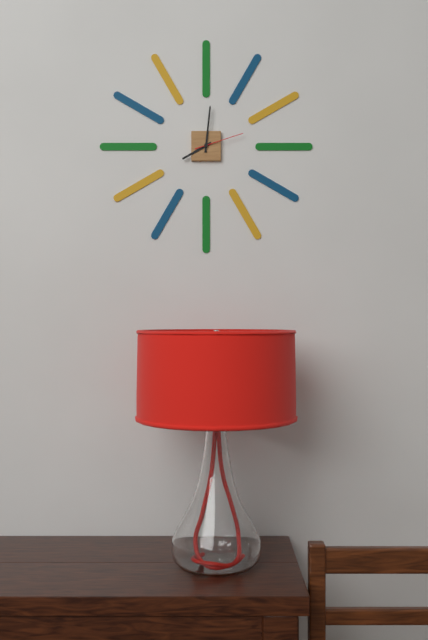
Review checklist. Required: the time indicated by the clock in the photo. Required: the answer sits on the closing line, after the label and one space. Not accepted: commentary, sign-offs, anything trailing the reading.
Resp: 8:01
